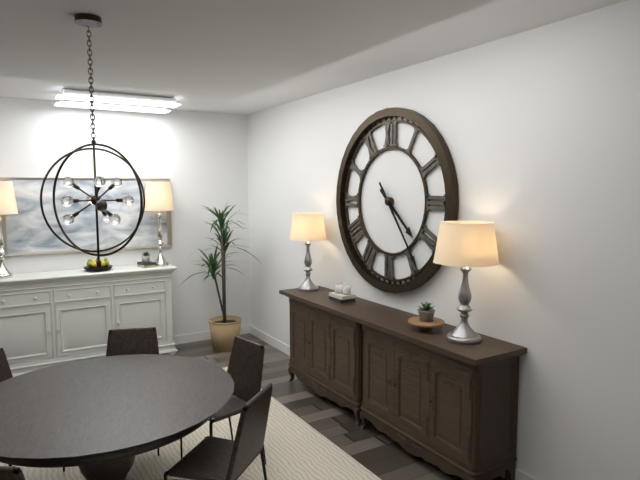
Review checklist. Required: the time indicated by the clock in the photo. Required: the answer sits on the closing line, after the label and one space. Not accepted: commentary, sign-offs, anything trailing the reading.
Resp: 4:24
